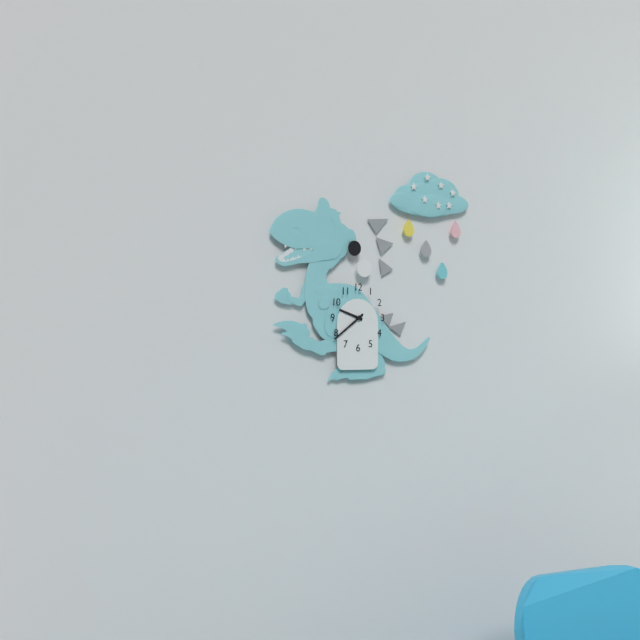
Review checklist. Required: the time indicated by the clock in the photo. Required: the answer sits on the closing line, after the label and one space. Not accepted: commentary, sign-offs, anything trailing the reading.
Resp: 9:39
